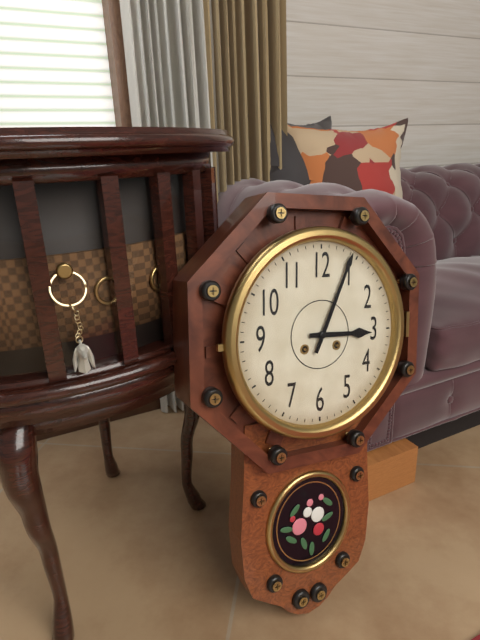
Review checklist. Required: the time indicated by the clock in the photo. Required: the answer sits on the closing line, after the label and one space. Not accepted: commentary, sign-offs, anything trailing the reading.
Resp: 3:04
